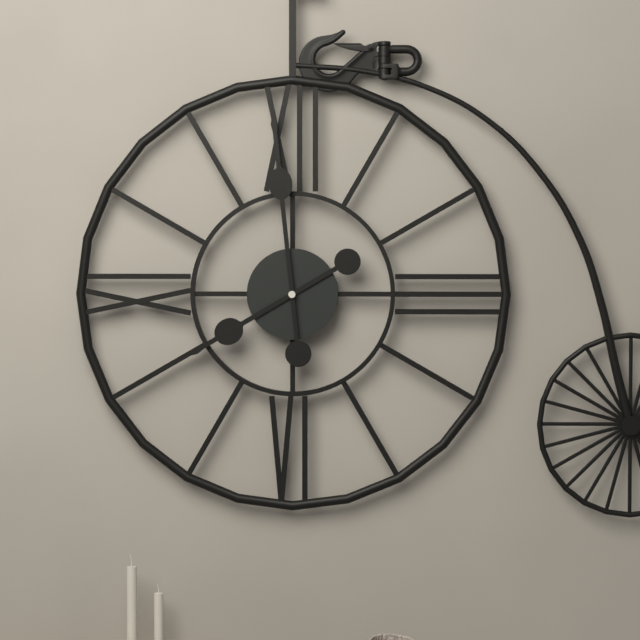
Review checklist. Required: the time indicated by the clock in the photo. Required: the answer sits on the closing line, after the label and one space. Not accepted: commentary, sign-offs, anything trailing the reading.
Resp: 7:59
